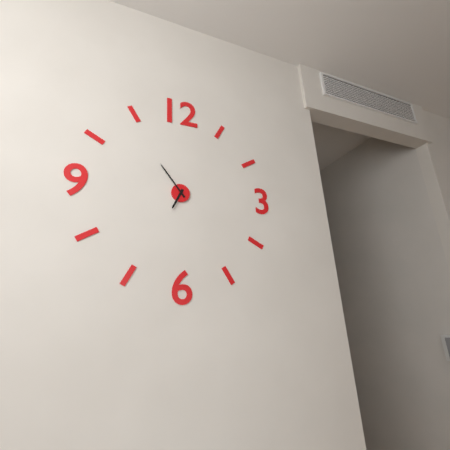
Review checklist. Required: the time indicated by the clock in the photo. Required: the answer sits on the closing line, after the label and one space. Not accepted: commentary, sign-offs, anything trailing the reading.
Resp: 6:54
